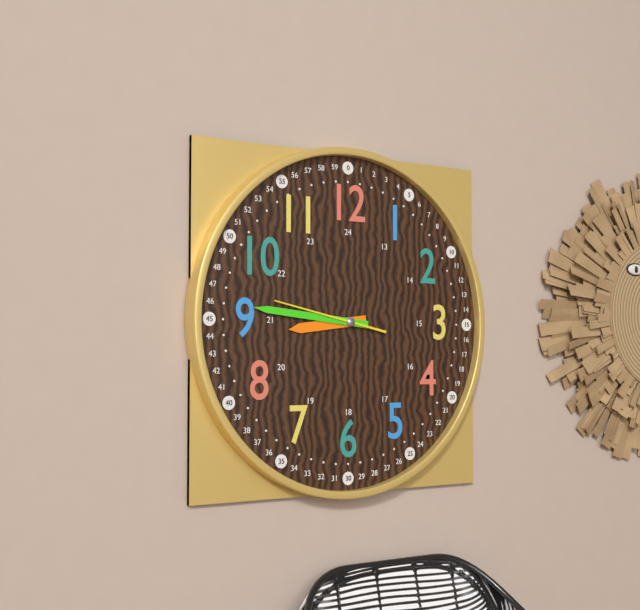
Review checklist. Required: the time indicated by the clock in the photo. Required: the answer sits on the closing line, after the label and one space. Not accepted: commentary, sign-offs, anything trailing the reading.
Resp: 8:46:47
